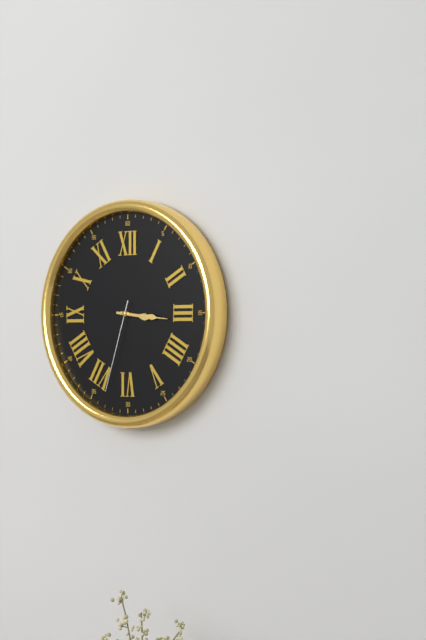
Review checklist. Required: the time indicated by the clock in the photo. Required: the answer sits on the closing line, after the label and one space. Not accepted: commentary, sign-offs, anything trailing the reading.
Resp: 3:16:33
